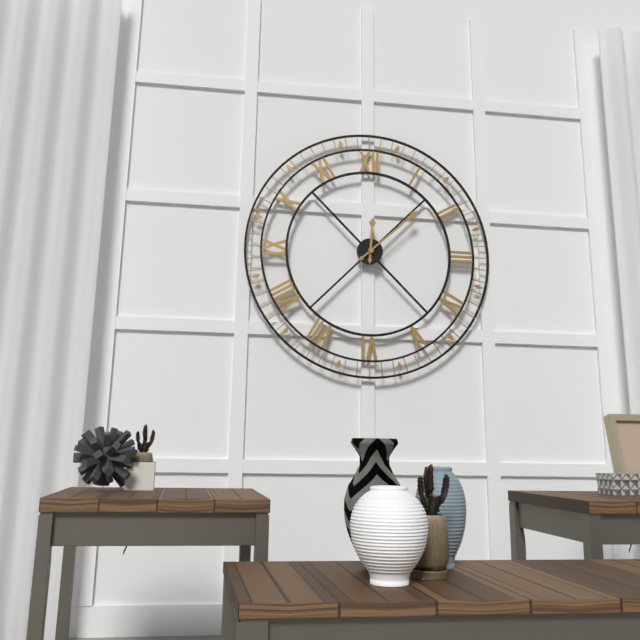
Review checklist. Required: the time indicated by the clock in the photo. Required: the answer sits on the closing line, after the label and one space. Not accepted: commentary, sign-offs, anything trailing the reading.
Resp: 12:08
